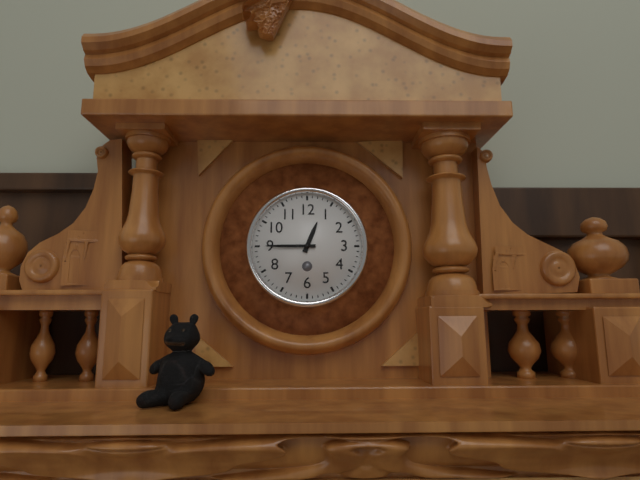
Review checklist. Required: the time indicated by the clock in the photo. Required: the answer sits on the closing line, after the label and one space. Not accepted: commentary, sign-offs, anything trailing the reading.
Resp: 12:45
